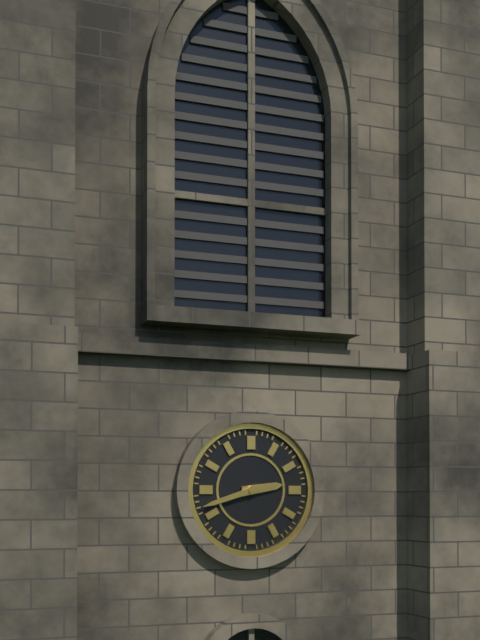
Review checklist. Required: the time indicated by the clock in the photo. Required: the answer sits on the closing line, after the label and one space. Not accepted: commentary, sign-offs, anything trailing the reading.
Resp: 2:42
